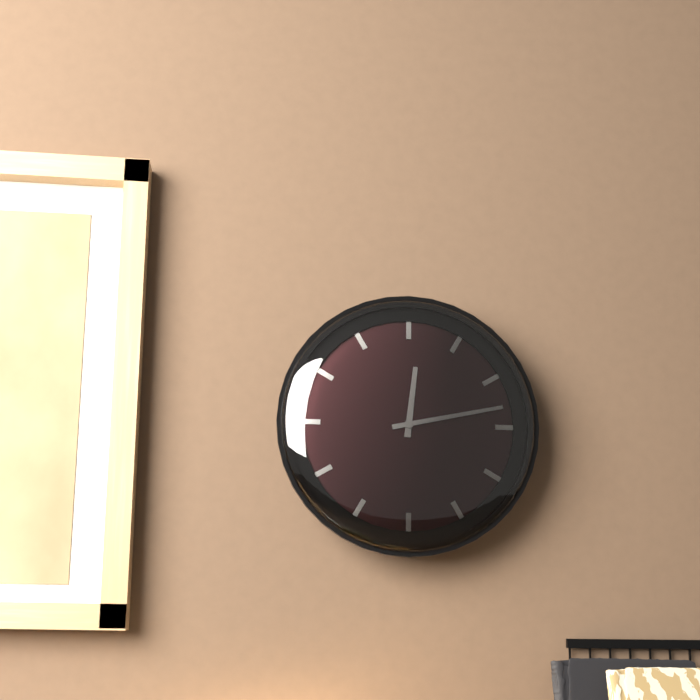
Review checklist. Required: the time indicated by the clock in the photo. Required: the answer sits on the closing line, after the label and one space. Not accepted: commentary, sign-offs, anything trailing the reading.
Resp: 12:13
